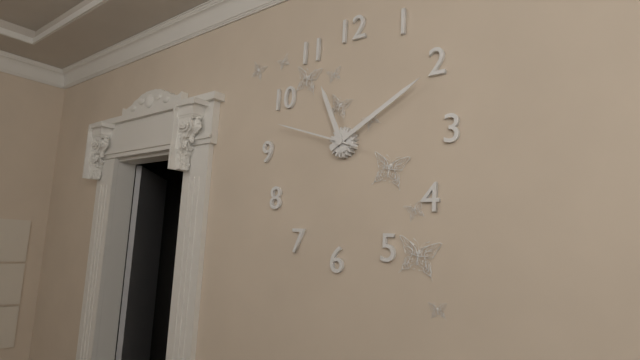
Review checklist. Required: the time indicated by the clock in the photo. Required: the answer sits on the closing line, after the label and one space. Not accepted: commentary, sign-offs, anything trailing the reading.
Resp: 11:10:48
